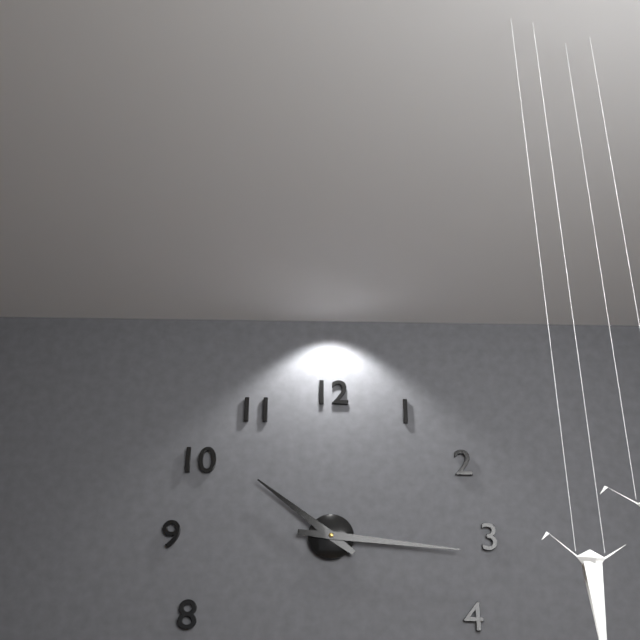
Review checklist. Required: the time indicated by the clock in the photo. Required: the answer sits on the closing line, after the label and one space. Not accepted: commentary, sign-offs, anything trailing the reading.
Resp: 10:16
